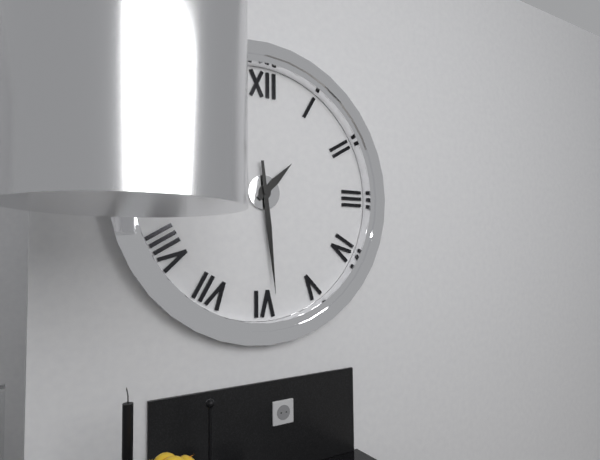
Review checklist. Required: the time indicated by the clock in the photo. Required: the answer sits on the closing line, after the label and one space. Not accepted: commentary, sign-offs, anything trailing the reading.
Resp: 1:29
